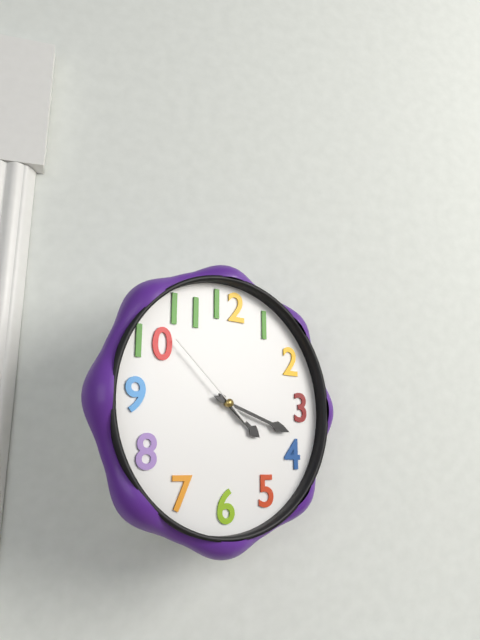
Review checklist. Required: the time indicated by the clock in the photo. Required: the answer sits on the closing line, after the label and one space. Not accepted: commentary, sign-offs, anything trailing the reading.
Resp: 4:18:52
